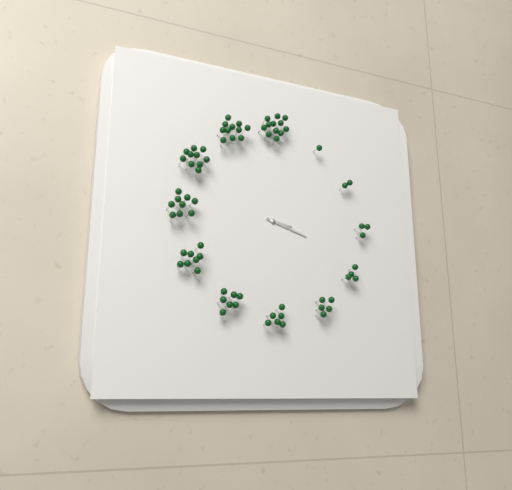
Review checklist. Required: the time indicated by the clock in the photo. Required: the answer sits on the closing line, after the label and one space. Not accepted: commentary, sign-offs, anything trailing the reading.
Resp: 3:18
